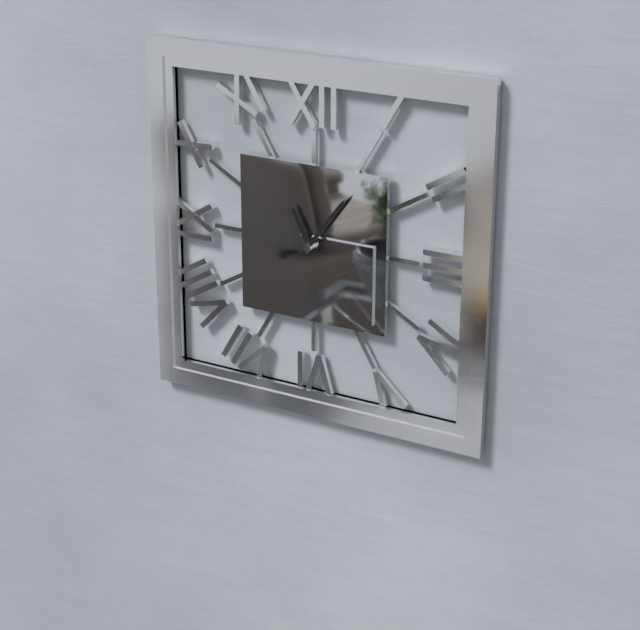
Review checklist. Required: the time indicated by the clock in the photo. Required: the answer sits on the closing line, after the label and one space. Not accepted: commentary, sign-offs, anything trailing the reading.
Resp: 11:06
